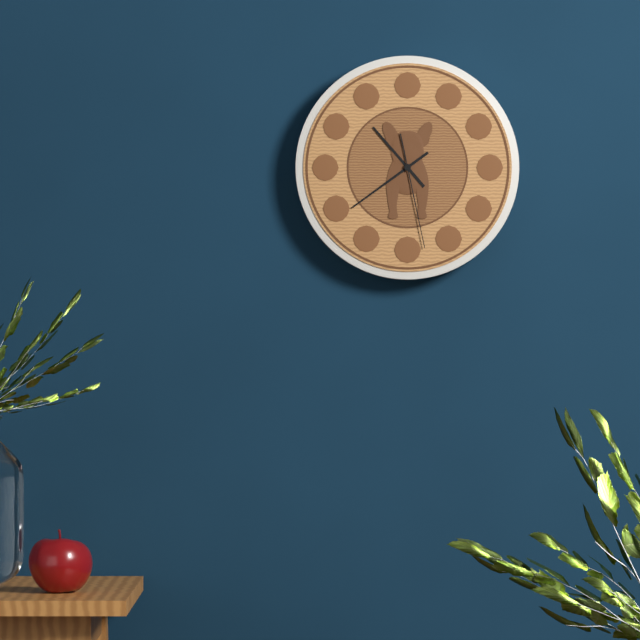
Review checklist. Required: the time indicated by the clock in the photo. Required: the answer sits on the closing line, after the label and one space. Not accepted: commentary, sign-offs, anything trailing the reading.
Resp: 10:39:28
